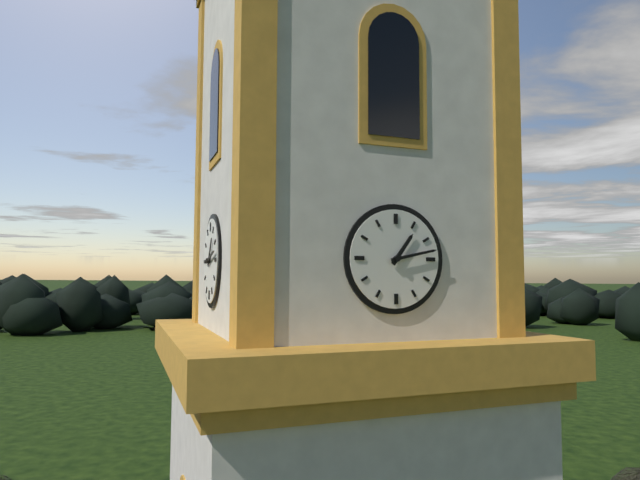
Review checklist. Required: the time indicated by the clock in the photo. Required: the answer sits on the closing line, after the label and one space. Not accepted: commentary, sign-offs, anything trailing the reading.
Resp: 1:13
